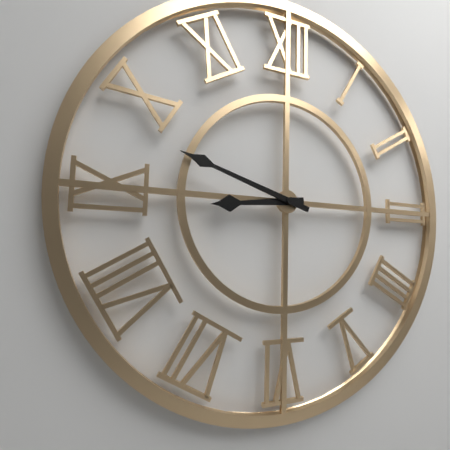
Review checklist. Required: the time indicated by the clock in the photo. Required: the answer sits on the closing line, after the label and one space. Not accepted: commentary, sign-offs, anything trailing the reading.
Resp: 8:48
